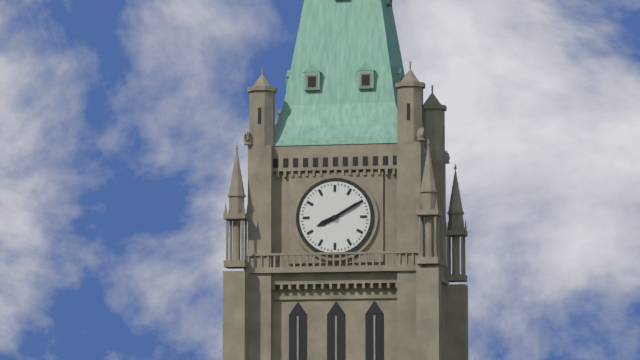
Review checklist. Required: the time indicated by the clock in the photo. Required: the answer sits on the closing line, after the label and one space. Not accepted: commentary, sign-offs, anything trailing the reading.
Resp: 8:10
